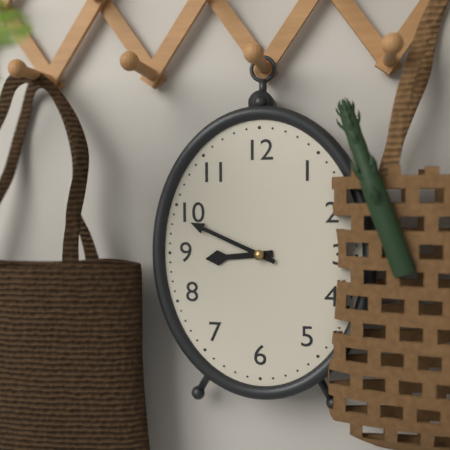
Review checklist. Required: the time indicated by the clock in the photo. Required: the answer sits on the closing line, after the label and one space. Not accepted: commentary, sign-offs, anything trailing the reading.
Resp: 8:49
